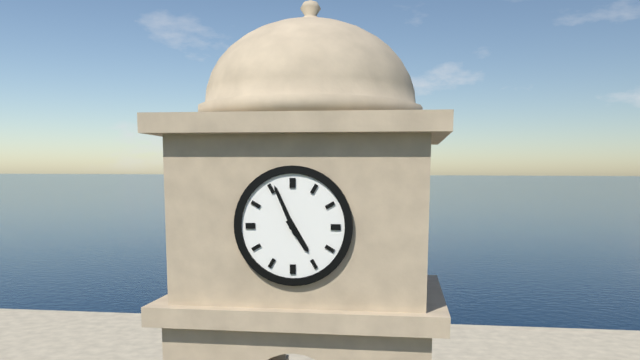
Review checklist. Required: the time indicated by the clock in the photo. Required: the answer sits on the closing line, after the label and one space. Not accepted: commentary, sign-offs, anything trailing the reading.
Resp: 4:56
